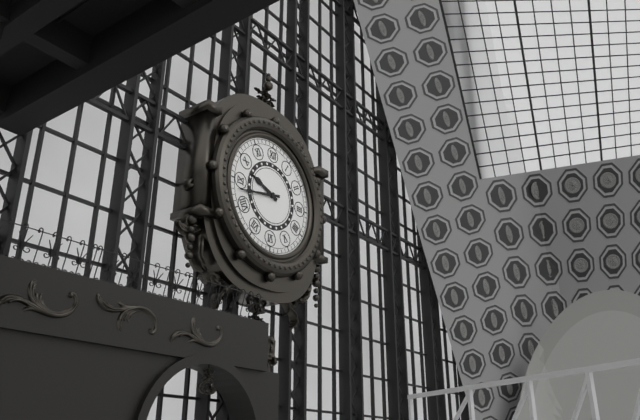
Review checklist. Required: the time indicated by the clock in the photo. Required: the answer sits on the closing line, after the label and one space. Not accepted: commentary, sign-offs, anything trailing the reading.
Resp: 9:43
